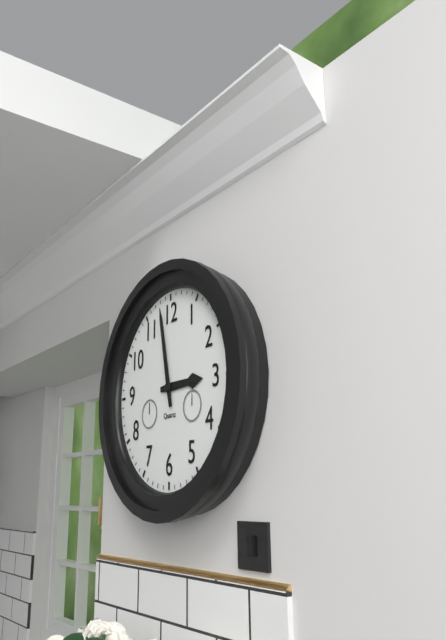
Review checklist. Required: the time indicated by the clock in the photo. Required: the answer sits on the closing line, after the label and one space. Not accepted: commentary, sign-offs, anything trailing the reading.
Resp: 2:58
